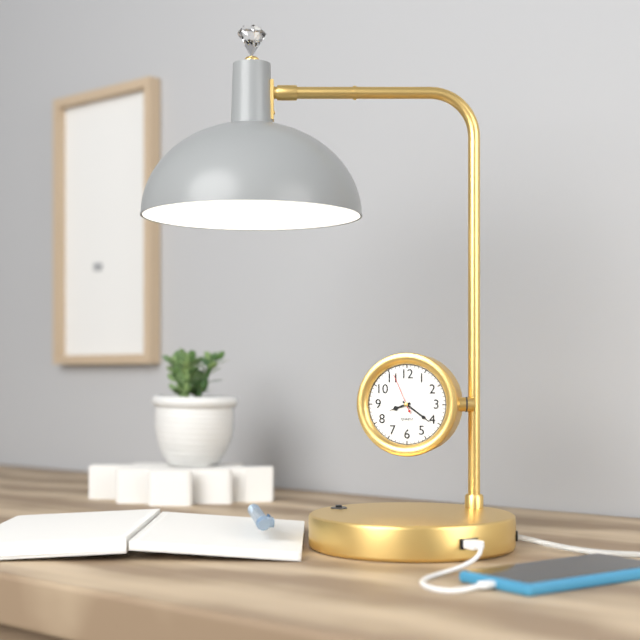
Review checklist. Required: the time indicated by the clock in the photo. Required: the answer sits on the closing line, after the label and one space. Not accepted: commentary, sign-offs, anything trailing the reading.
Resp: 8:21
